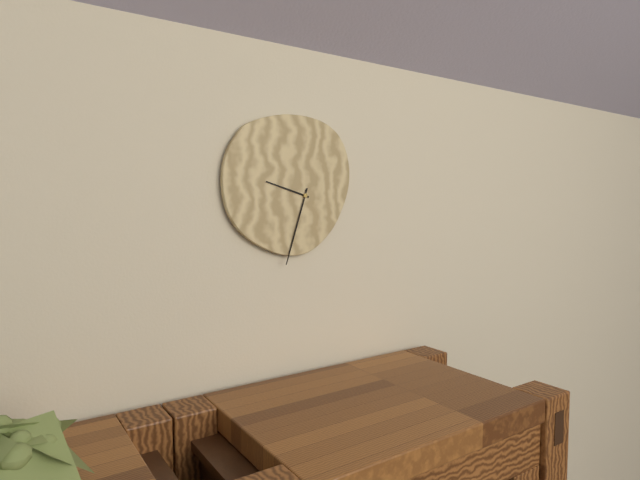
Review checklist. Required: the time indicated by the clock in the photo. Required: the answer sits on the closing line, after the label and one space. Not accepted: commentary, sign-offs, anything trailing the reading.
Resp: 9:33
